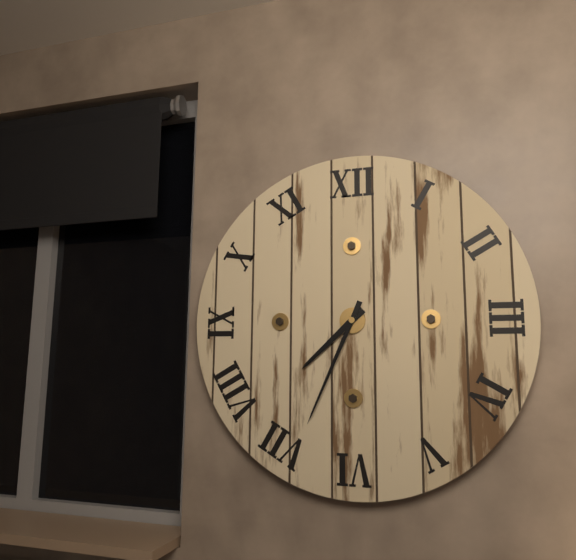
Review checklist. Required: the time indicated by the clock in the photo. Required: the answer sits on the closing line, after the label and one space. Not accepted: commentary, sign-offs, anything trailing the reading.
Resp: 7:34
